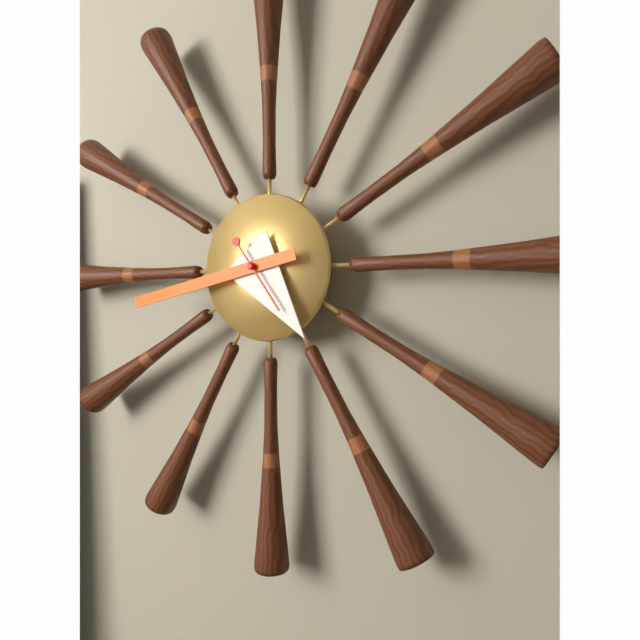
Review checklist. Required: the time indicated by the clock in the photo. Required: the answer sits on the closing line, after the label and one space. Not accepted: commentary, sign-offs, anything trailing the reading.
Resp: 4:43
